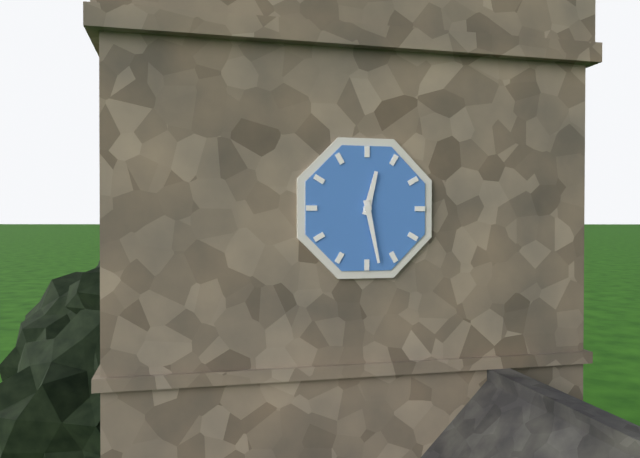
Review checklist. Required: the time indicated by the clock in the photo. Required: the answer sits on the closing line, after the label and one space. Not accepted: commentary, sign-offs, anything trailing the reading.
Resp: 12:28
